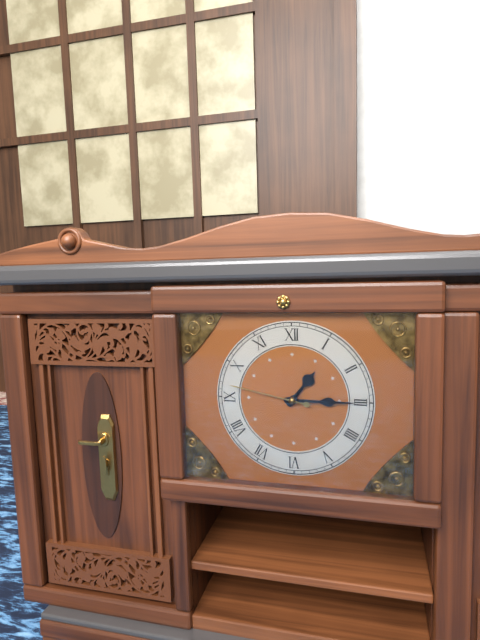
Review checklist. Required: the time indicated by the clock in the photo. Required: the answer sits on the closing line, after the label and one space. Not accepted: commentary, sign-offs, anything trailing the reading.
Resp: 1:15:47
